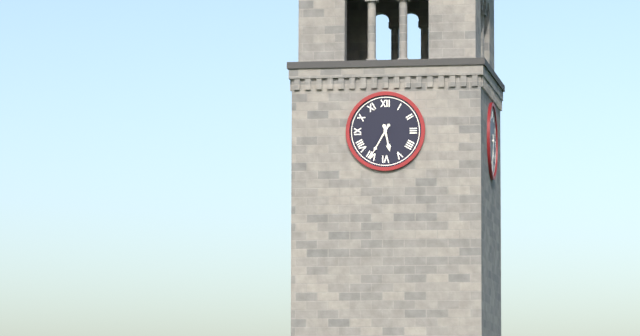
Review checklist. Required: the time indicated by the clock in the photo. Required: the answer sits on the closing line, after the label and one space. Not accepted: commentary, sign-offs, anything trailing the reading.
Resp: 5:35
